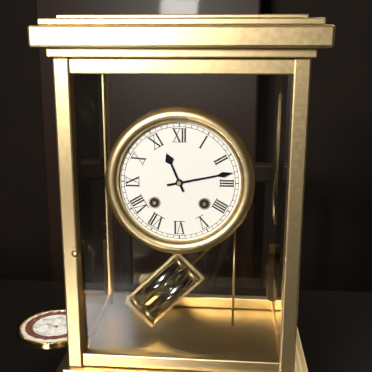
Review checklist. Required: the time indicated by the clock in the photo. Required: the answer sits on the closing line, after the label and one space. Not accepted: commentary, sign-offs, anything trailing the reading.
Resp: 11:13
